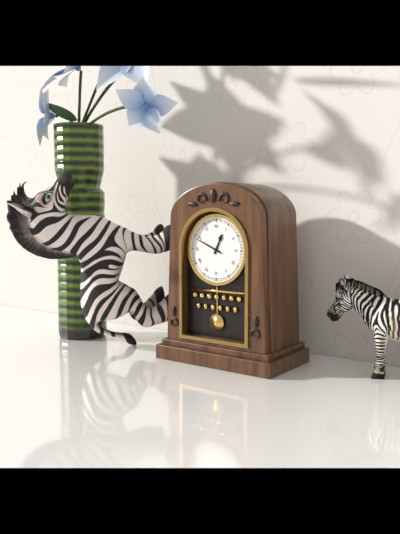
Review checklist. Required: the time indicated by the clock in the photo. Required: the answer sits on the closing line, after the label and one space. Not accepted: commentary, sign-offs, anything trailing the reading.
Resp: 12:49
